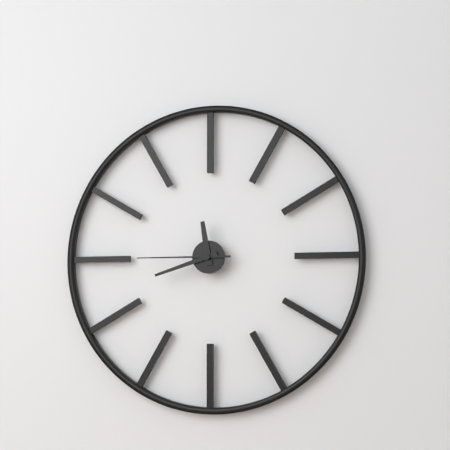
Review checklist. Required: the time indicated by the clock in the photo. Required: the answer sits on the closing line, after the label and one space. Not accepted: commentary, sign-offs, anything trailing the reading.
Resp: 11:42:45
